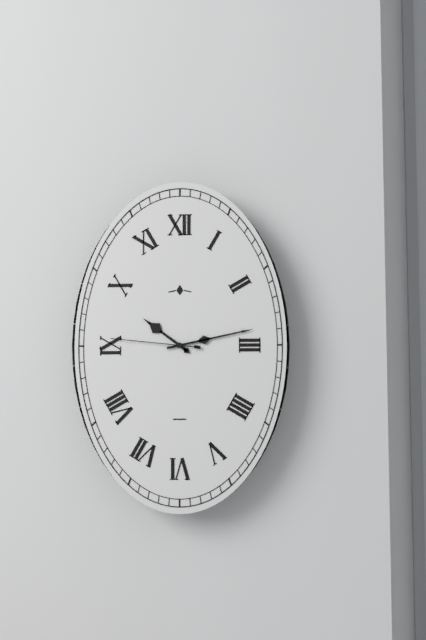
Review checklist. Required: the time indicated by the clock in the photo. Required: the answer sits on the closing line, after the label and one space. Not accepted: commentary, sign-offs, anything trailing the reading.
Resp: 10:13:46
